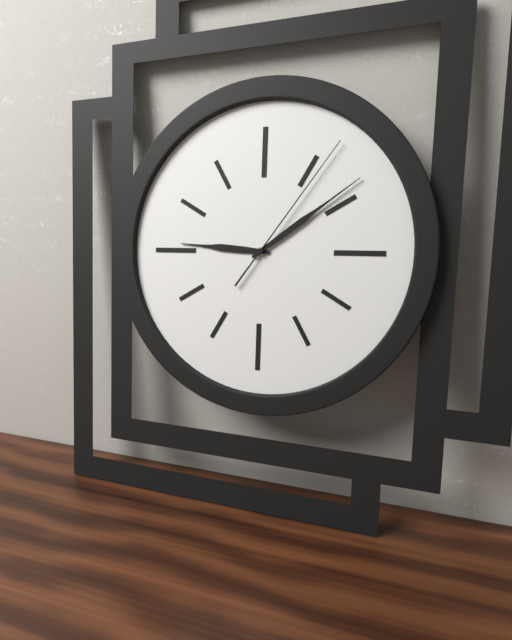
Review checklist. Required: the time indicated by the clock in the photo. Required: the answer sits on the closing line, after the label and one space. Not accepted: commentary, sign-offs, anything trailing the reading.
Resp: 9:09:06
